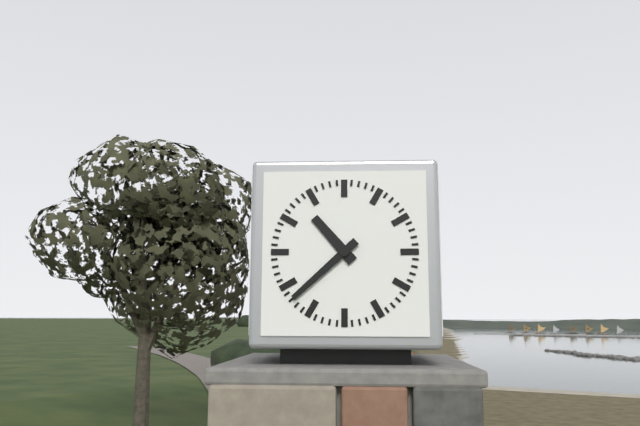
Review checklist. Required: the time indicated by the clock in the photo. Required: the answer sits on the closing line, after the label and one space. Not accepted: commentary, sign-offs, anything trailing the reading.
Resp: 10:38
